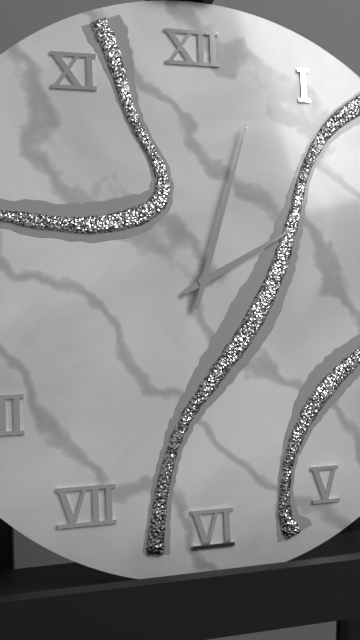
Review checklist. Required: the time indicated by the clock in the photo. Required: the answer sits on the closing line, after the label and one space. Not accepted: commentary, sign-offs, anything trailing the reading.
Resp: 2:03
